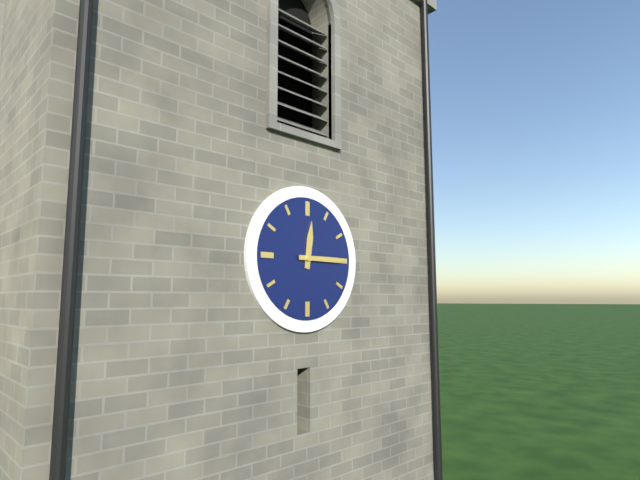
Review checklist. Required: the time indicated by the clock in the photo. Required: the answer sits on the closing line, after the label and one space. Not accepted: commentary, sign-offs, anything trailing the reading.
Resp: 12:15
